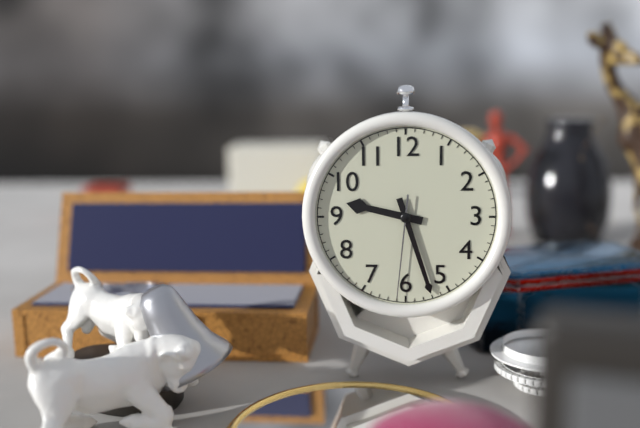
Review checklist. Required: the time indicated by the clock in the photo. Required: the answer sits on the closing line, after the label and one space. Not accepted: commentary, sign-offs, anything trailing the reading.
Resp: 9:27:31
